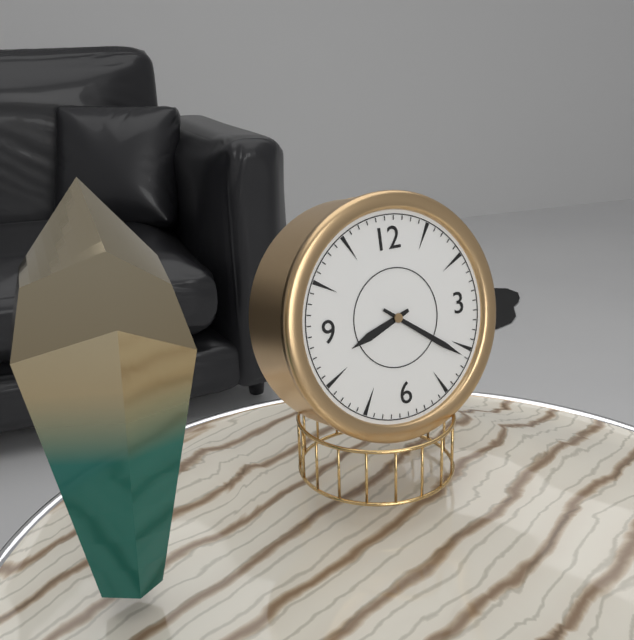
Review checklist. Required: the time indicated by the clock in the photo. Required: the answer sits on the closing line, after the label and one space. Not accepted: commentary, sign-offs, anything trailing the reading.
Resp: 8:21
